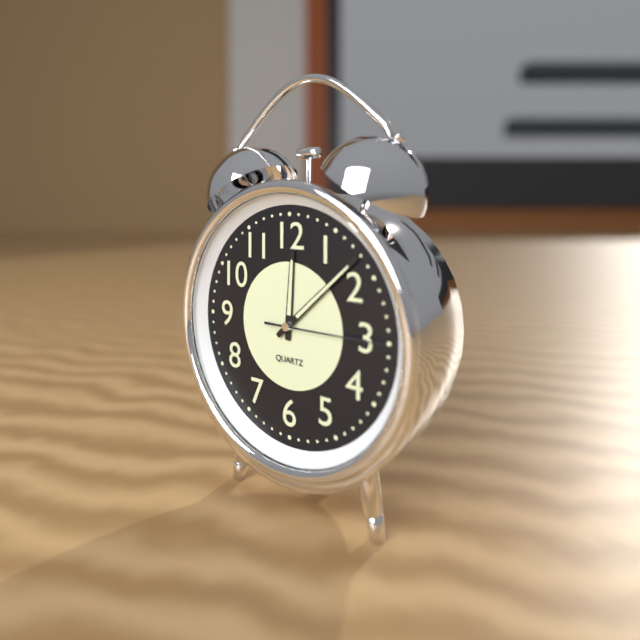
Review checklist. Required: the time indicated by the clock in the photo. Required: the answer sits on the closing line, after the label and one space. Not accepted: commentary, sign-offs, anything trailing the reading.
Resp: 12:08:15
